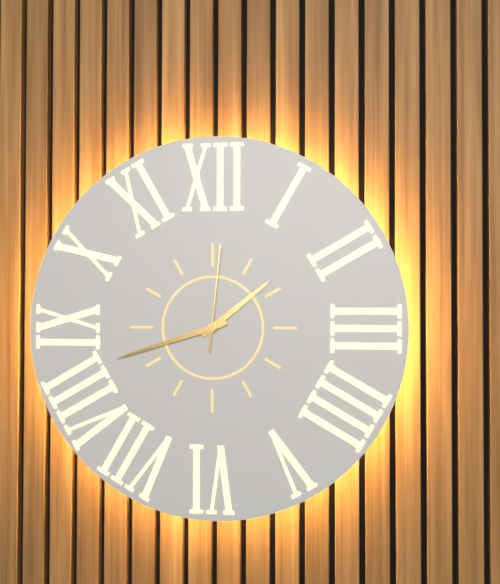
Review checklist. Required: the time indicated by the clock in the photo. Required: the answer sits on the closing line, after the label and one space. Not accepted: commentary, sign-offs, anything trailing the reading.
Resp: 1:42:01
